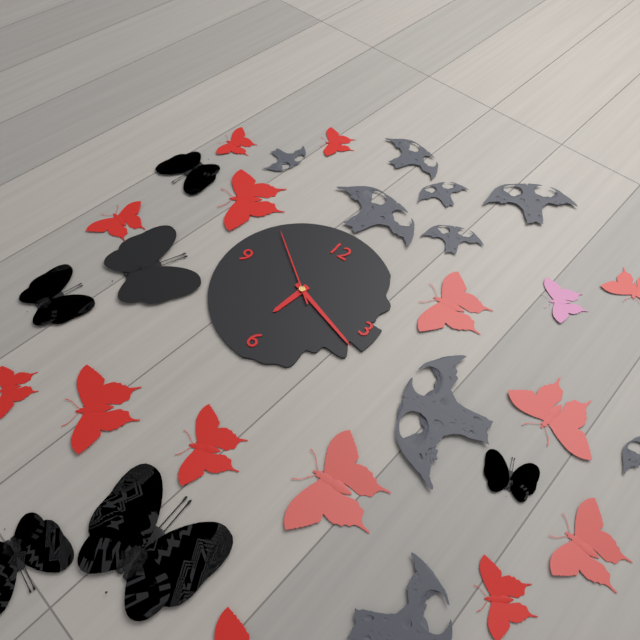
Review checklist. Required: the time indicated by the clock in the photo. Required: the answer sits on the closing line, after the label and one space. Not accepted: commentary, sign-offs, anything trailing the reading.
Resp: 6:18:51
